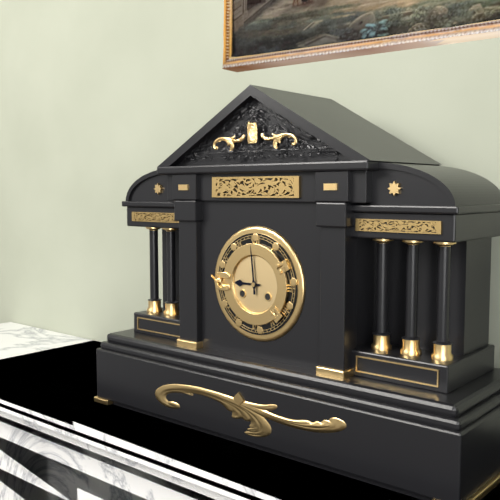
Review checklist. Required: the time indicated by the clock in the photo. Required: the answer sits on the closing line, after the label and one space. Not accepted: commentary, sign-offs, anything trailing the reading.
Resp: 8:59
